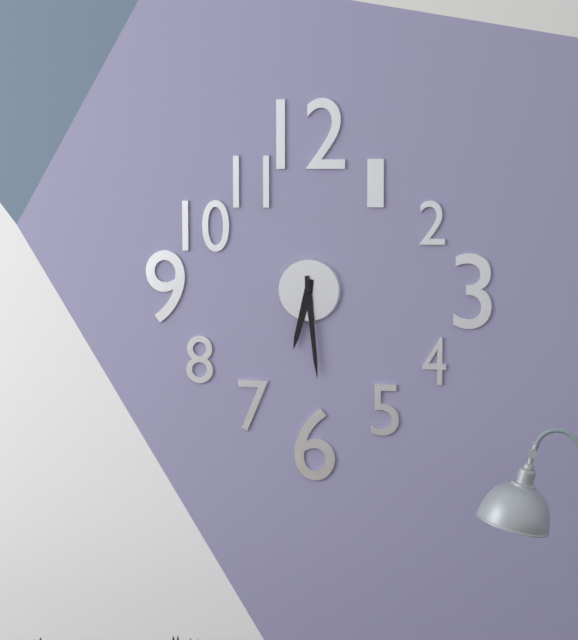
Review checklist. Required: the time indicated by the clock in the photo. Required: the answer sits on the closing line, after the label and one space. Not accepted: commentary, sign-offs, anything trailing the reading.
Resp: 6:29
